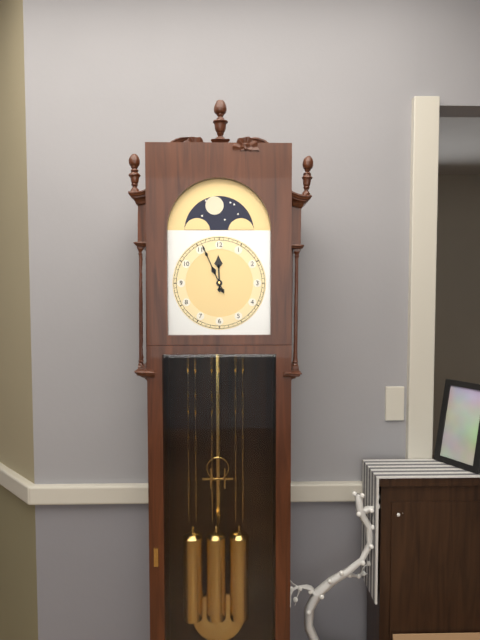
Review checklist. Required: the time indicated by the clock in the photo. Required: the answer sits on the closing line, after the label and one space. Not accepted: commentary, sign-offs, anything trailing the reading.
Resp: 11:56
